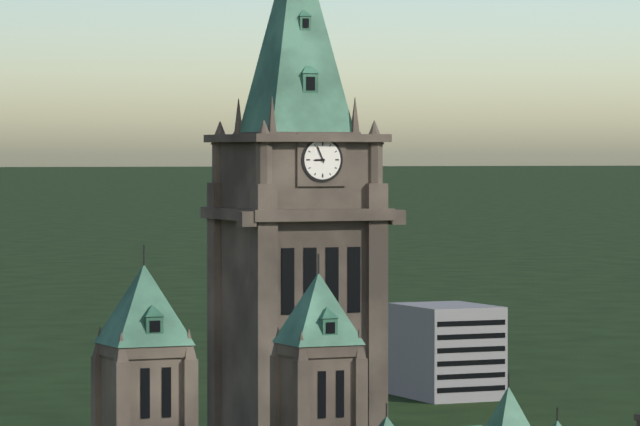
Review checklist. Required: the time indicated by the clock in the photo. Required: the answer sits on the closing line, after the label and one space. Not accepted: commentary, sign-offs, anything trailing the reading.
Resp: 8:56
